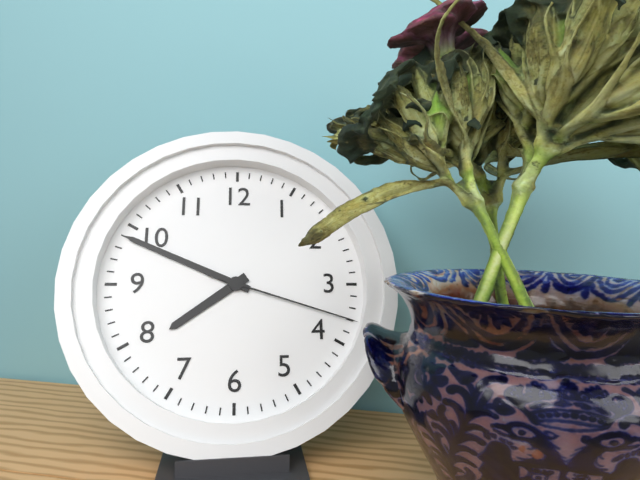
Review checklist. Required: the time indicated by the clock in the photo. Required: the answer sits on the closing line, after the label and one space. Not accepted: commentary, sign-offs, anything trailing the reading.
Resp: 7:49:18
